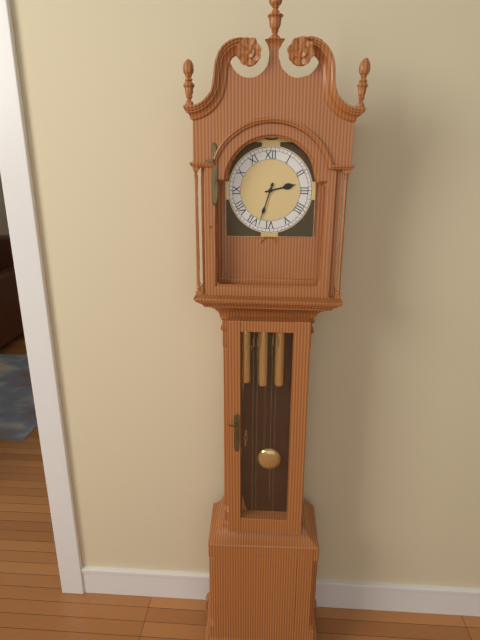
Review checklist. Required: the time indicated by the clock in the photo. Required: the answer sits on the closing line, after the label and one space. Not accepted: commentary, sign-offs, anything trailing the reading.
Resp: 2:33
